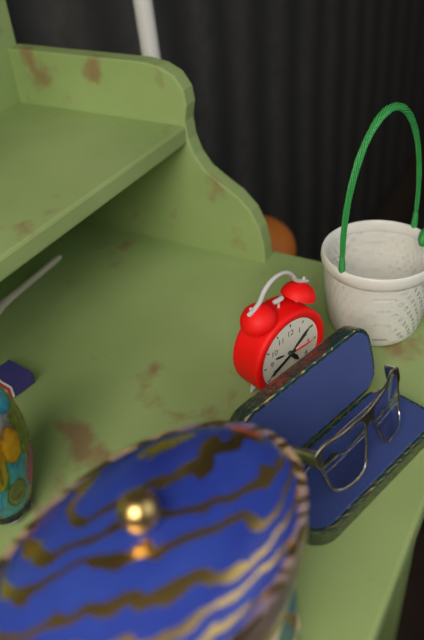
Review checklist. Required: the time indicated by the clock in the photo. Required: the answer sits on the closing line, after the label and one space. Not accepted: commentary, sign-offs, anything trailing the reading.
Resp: 4:41
